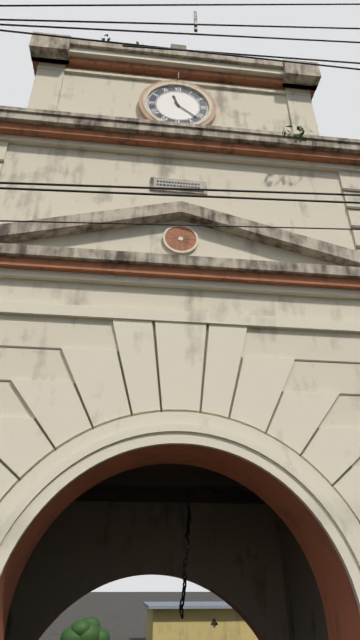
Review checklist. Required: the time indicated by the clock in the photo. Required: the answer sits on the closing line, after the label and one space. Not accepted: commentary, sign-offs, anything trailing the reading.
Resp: 11:22
